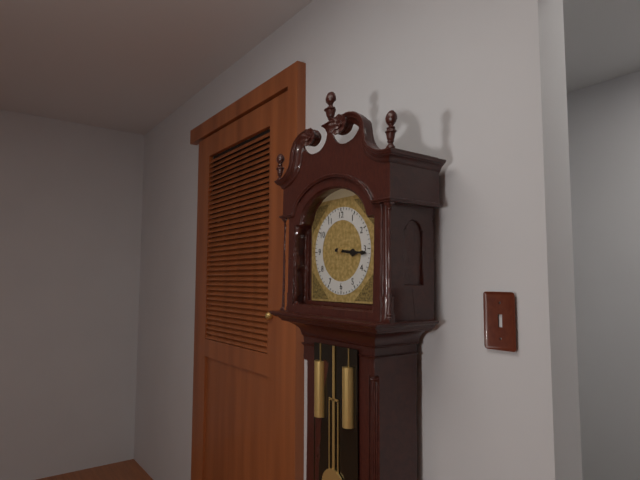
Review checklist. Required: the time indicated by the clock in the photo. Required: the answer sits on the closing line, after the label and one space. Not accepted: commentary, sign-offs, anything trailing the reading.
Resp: 3:16
